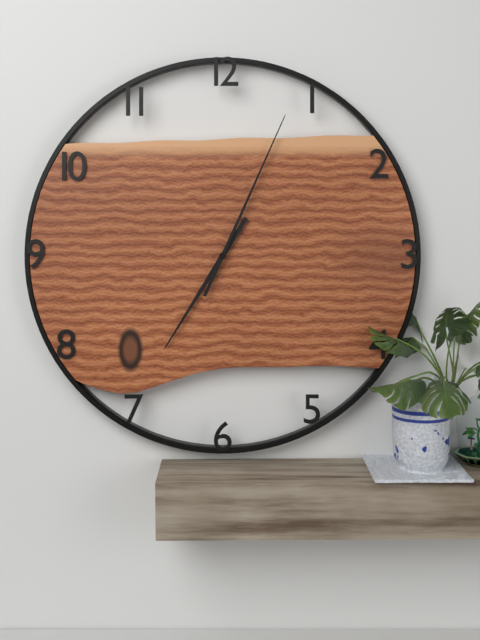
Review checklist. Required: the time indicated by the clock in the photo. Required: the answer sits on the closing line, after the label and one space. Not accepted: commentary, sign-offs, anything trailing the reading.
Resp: 7:04
